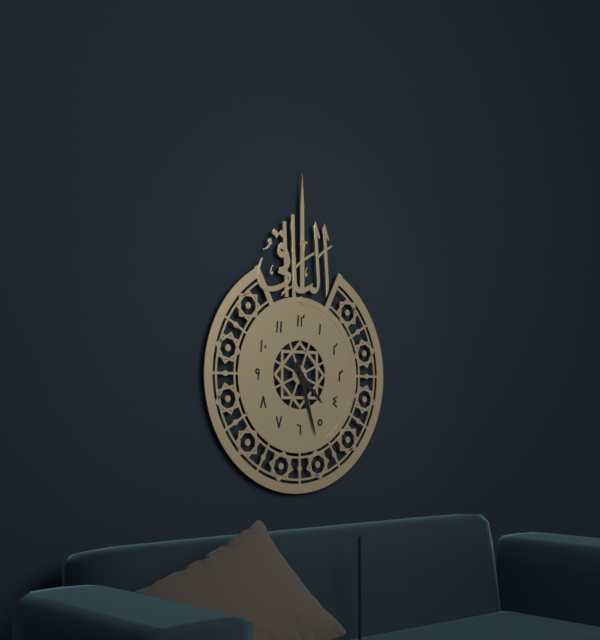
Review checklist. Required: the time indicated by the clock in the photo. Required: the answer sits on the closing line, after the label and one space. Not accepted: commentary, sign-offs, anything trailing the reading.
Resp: 4:27
